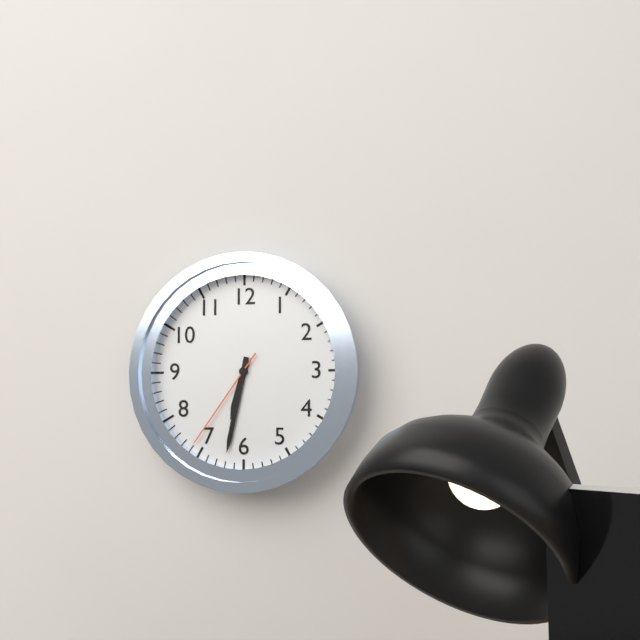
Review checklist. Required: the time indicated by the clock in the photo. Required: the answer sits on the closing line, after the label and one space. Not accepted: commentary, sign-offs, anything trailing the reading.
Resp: 6:32:36
